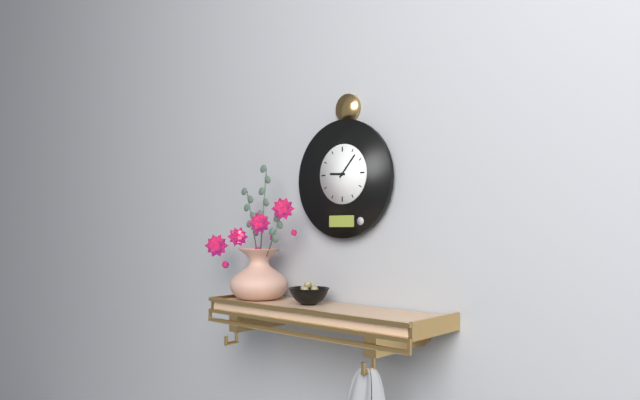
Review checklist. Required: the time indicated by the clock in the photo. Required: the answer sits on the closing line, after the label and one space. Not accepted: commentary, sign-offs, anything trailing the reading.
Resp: 9:07
